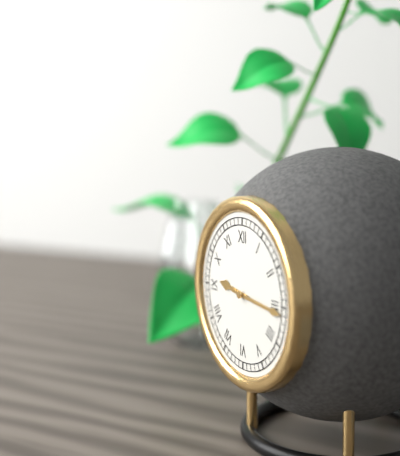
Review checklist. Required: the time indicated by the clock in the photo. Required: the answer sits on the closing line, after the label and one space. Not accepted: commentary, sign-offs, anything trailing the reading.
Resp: 9:16
